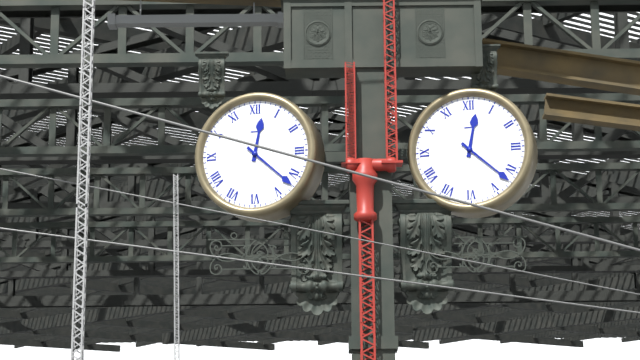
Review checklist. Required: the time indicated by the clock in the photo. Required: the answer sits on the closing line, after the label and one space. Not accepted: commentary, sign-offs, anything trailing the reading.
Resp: 12:22
